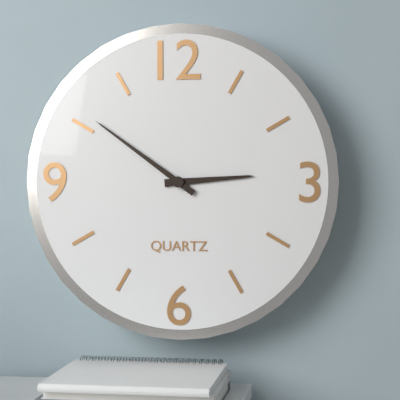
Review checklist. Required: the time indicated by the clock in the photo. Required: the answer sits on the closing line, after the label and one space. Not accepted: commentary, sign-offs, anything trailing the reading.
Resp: 2:51
